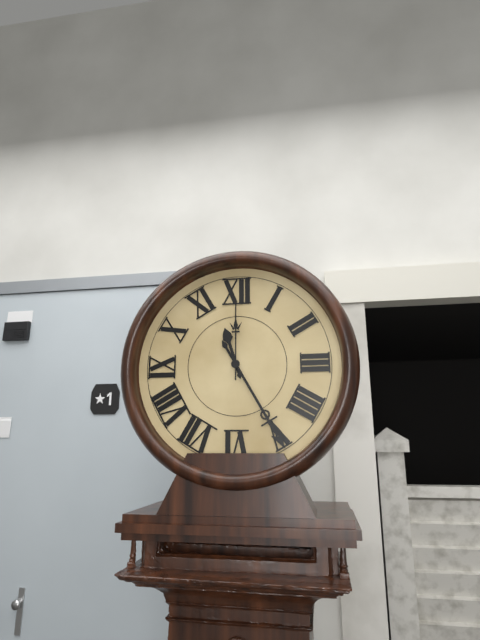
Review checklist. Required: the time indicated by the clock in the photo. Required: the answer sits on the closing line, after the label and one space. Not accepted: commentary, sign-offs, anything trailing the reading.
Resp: 11:25:00
